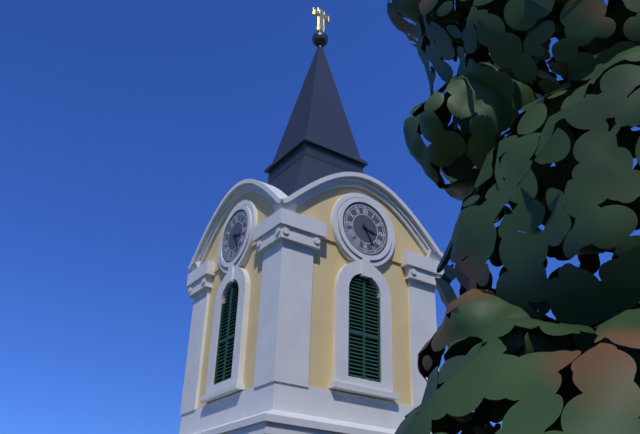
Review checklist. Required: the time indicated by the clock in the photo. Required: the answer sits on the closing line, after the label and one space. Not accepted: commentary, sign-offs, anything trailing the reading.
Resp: 3:25
